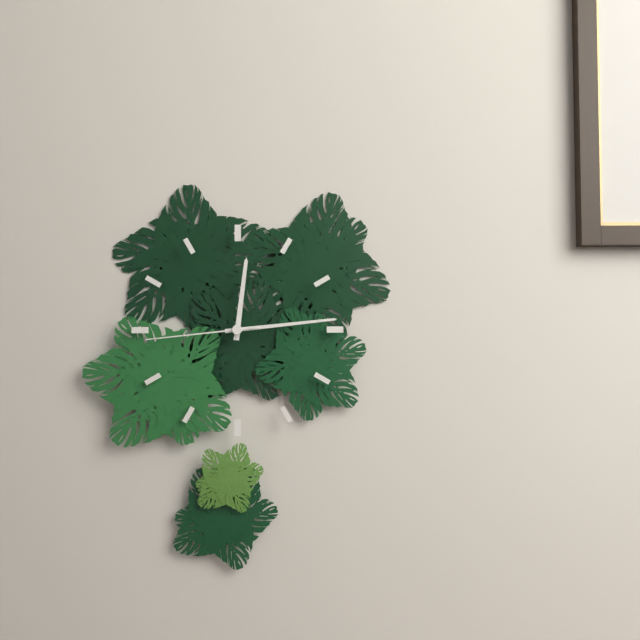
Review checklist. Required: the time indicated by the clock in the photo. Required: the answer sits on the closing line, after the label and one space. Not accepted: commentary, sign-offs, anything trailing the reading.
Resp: 12:14:44
